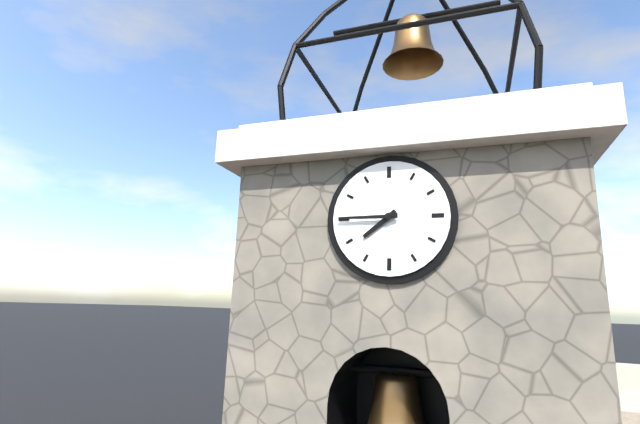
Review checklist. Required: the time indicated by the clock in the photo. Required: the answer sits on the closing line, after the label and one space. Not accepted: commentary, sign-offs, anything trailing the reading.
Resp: 7:45
